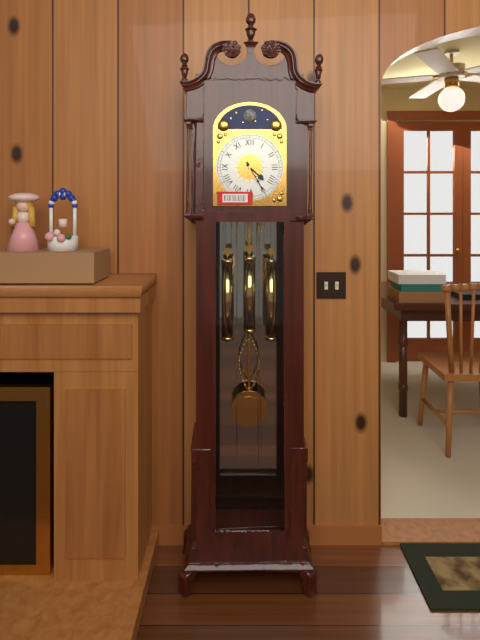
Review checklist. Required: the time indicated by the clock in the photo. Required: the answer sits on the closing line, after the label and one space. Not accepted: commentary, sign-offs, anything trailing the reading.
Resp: 4:25
